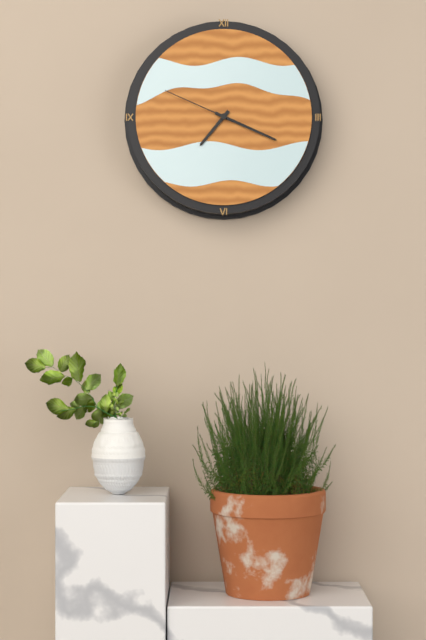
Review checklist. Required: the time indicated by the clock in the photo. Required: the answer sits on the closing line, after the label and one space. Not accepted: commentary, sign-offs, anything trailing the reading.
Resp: 7:19:49
